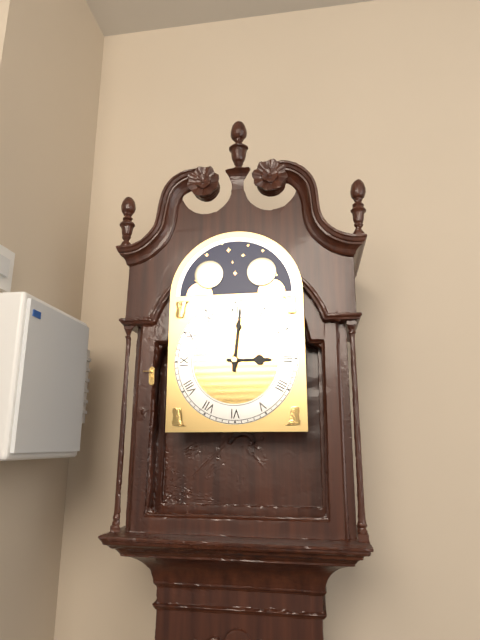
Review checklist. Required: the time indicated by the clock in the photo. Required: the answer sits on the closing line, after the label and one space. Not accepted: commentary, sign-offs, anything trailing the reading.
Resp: 3:01
